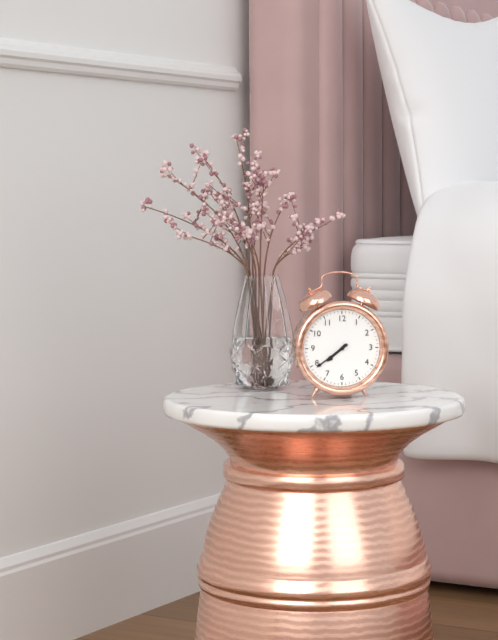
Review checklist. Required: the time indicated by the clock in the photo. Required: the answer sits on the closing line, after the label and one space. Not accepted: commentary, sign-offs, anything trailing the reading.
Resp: 7:39
